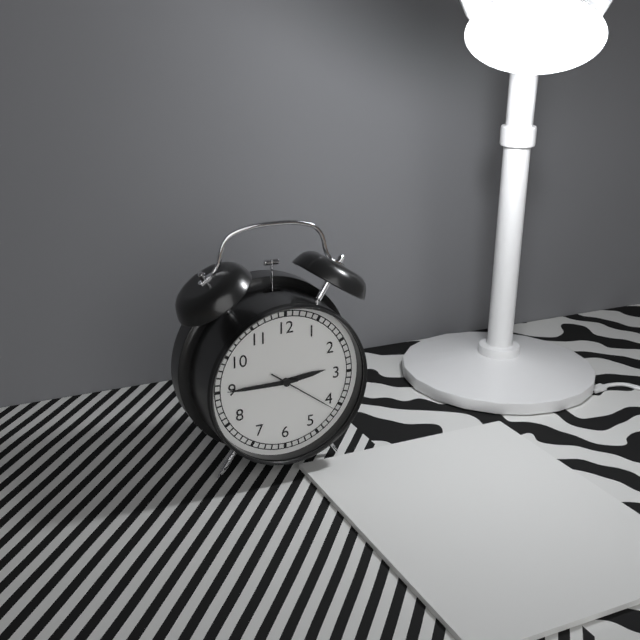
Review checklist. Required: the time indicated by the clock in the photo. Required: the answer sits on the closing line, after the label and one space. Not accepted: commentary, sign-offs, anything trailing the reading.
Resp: 2:45:21
